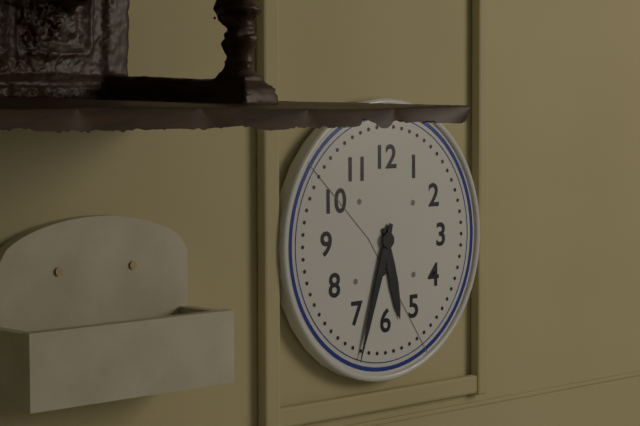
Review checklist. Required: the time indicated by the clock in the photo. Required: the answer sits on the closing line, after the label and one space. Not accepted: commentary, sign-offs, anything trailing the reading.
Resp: 5:33
